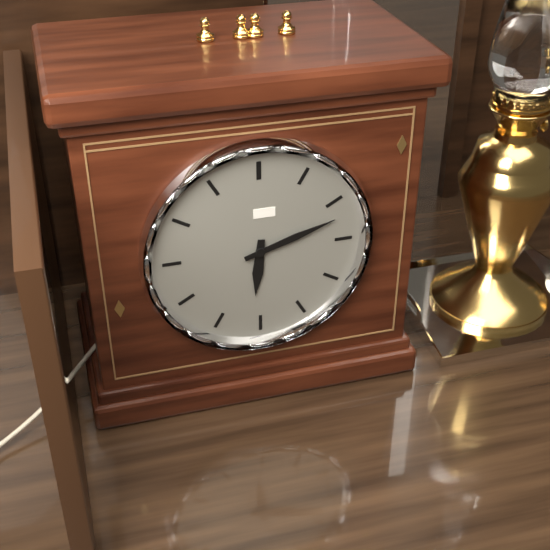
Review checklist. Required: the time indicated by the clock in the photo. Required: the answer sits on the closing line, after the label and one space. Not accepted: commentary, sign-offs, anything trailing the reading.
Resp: 6:12
